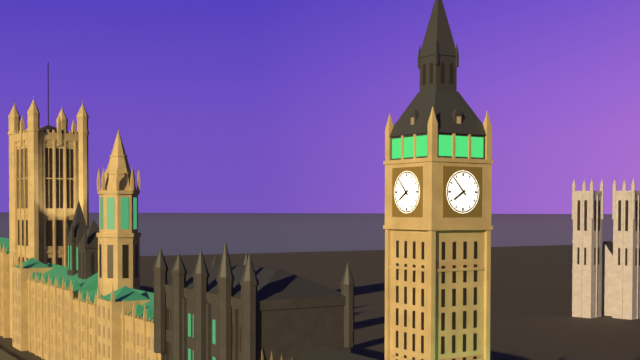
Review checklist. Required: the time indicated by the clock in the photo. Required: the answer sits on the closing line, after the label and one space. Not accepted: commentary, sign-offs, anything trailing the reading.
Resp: 7:53
